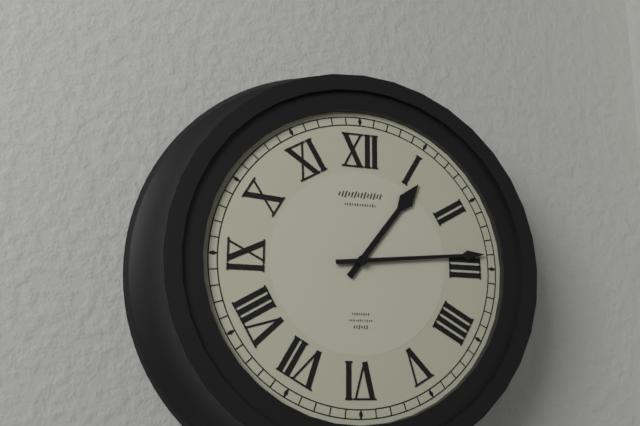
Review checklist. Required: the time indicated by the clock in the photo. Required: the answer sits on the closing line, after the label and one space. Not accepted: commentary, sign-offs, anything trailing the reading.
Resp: 1:14
